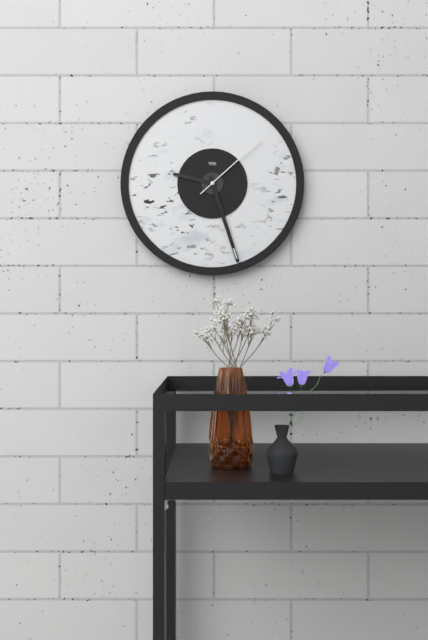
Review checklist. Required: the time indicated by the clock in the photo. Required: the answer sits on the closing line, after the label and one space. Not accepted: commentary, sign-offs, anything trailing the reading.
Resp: 9:27:08
